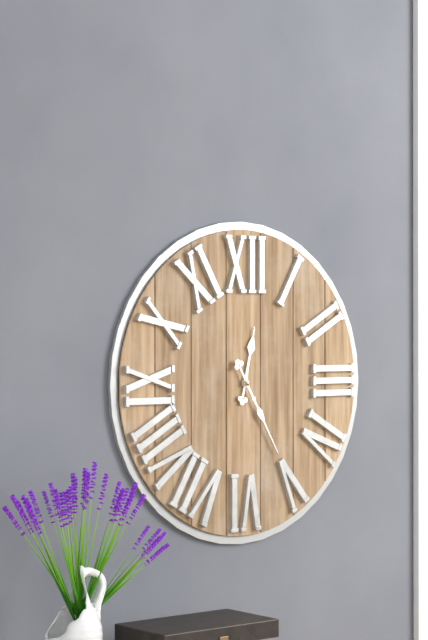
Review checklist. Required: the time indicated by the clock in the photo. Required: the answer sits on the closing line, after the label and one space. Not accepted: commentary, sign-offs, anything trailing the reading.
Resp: 12:25
